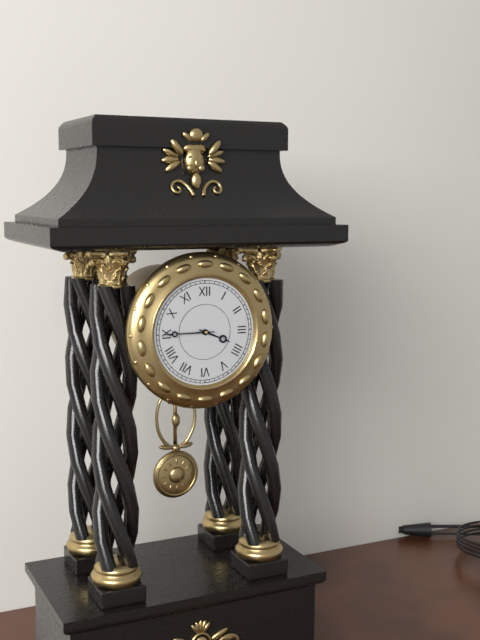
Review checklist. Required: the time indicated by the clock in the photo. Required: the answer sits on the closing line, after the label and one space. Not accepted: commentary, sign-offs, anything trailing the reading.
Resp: 3:45
